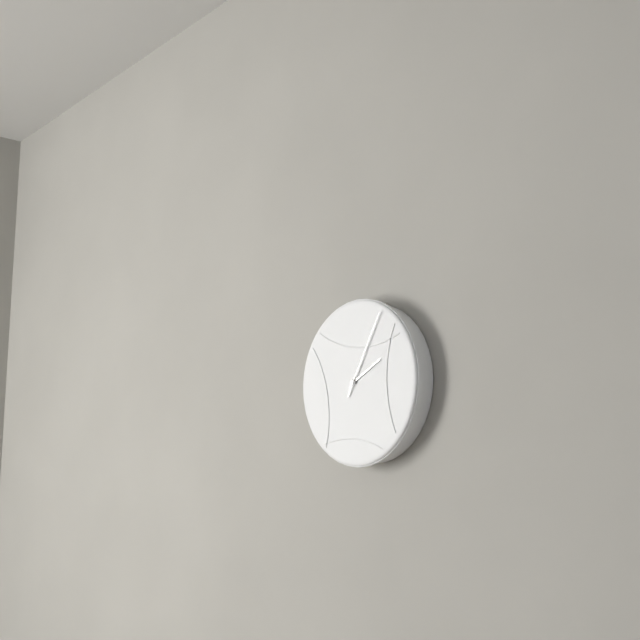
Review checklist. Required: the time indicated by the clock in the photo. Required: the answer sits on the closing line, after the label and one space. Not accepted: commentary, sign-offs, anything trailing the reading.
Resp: 2:05
